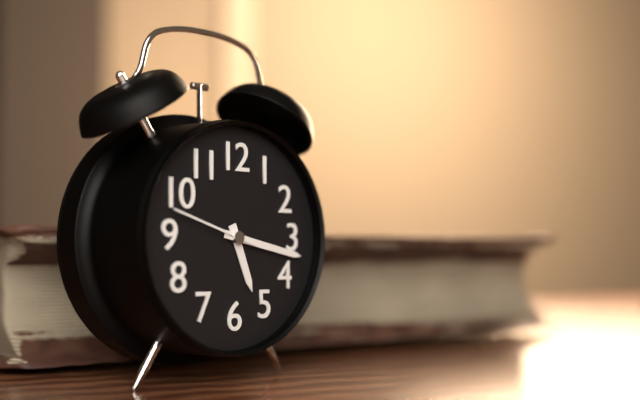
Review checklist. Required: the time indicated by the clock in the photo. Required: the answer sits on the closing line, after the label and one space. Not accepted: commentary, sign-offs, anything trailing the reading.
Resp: 5:17:48
